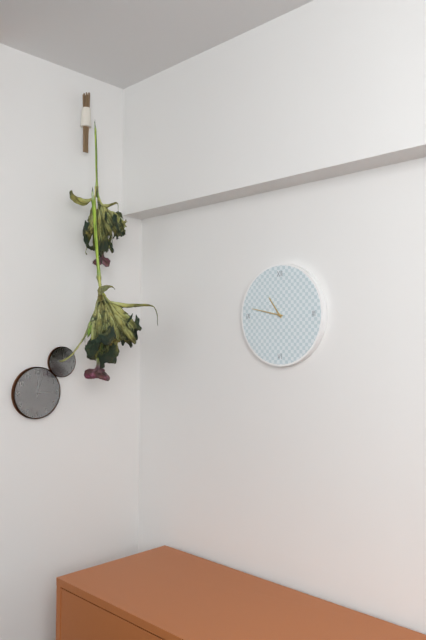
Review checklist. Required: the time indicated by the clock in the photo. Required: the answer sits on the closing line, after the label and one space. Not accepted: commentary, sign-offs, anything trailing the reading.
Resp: 10:47
